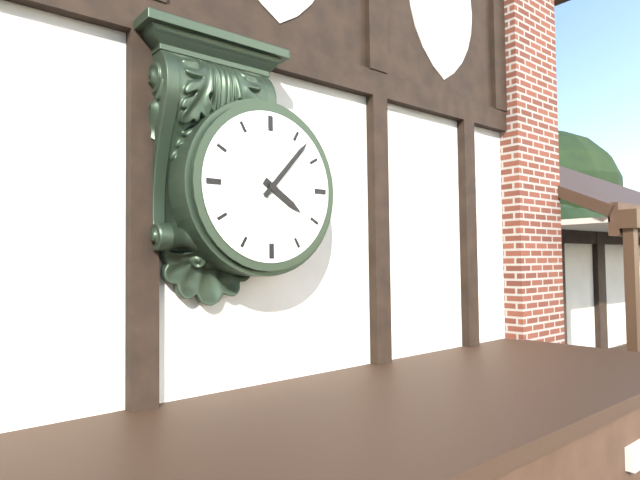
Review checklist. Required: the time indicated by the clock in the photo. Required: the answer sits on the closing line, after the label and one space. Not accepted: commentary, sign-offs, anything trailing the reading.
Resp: 4:07
